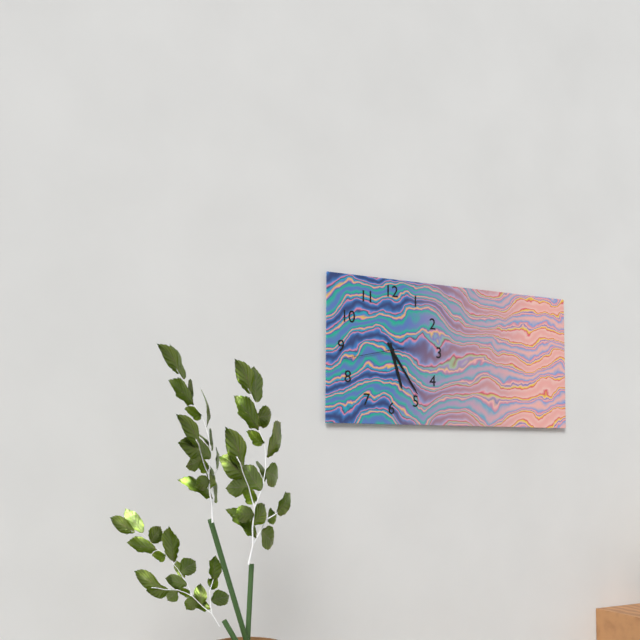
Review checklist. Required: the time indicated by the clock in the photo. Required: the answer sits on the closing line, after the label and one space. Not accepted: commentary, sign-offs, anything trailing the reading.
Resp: 5:24:43
